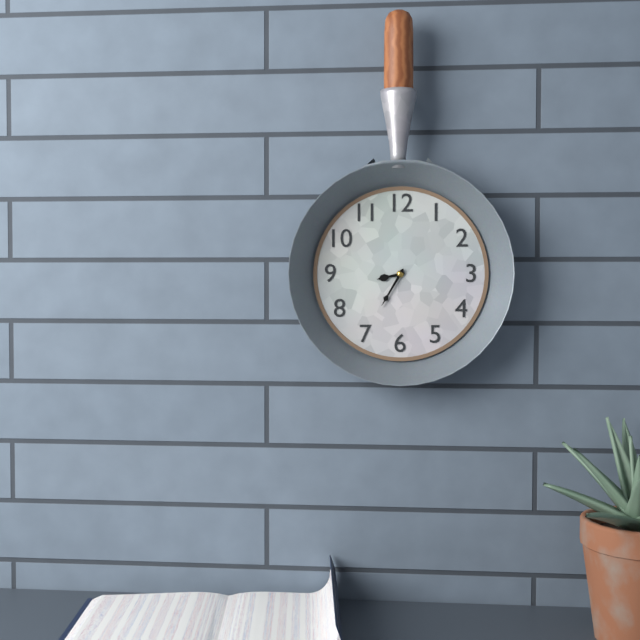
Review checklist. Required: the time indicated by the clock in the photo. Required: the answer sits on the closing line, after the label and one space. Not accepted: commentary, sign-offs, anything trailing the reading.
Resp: 8:35
